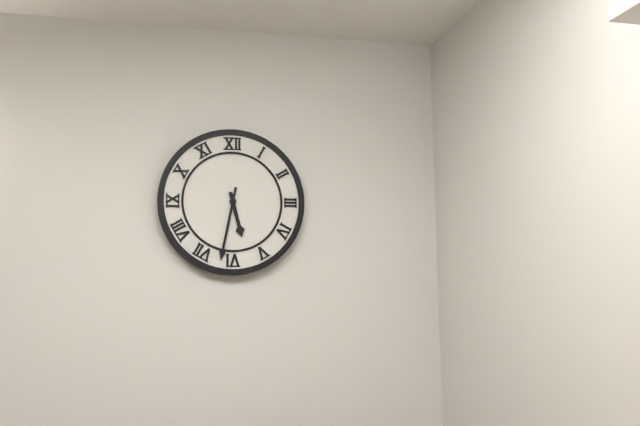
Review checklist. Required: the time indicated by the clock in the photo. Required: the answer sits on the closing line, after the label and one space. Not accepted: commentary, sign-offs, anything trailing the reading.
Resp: 5:32
